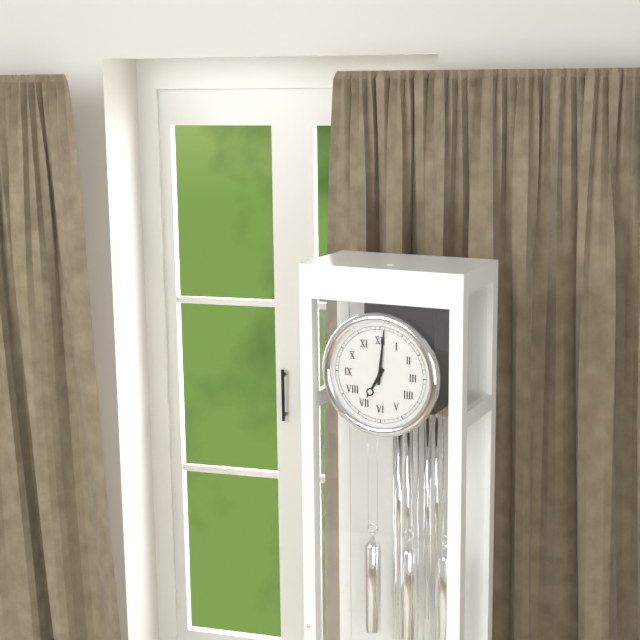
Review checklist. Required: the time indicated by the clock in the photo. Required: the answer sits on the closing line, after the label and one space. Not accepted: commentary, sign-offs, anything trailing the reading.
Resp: 7:01
